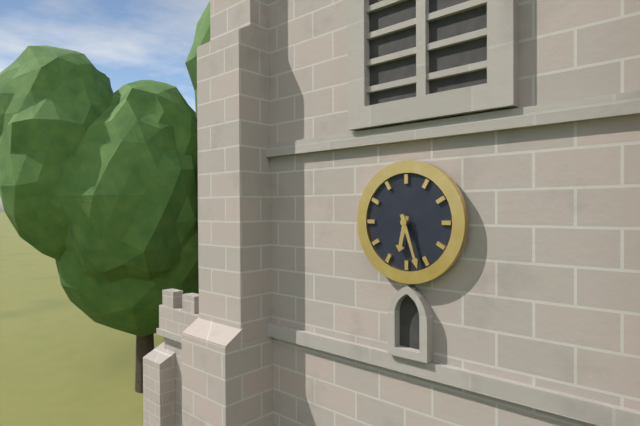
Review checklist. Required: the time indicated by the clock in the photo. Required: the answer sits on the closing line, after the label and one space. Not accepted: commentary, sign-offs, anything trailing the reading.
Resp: 6:27
